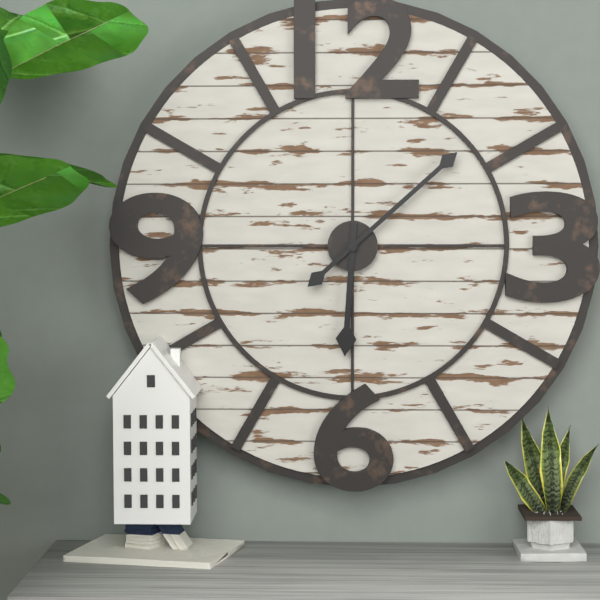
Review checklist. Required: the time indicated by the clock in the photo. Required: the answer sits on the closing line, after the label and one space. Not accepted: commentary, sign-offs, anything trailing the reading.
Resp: 6:08
